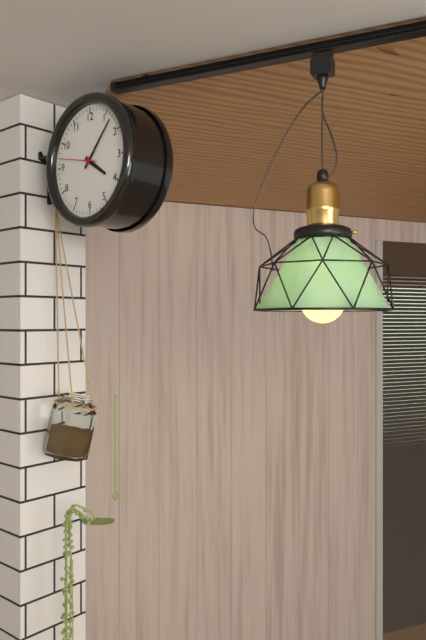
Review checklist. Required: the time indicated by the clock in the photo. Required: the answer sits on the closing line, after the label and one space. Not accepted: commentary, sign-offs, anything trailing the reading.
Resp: 4:07
